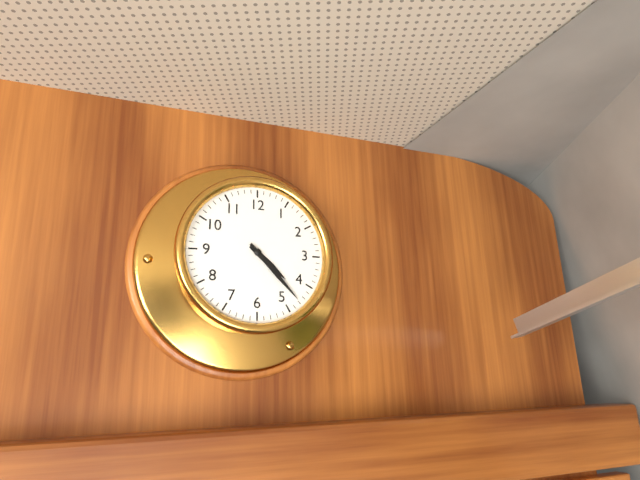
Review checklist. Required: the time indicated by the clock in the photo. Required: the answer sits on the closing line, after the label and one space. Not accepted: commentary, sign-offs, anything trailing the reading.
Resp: 4:23
